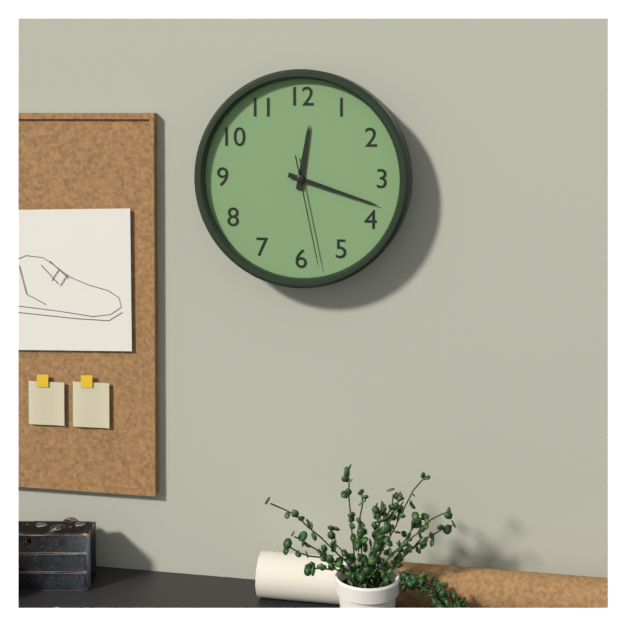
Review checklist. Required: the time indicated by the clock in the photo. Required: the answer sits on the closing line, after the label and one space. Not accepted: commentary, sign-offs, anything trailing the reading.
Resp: 12:18:28
